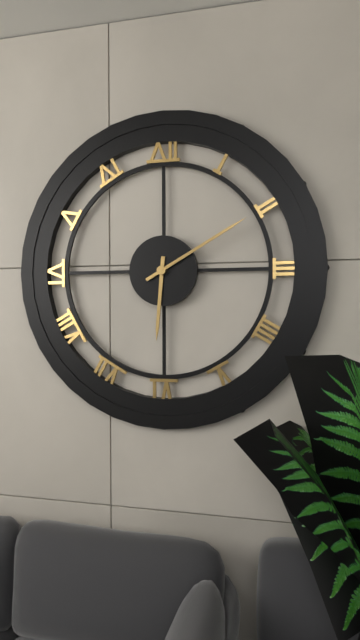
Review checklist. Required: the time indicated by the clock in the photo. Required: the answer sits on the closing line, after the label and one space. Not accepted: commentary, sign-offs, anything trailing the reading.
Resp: 6:10
